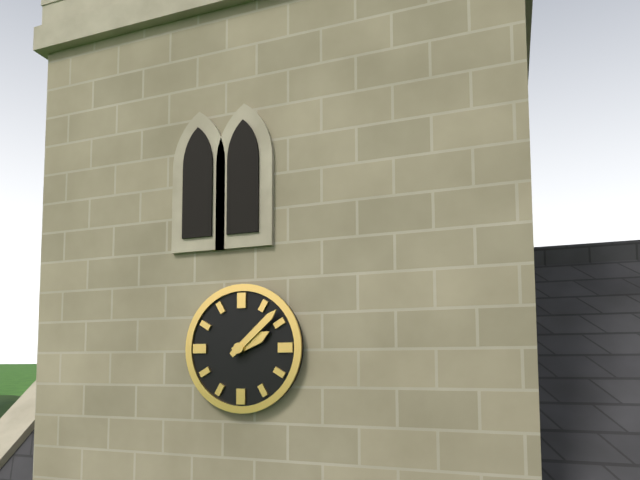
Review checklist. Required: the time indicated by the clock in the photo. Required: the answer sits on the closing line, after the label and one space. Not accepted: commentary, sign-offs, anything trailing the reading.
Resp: 2:08
